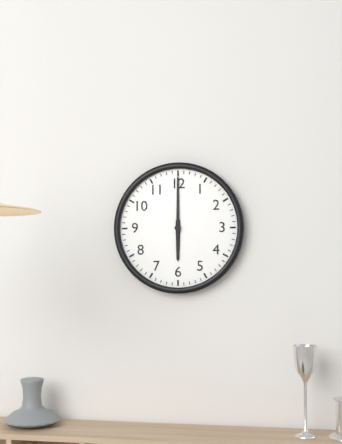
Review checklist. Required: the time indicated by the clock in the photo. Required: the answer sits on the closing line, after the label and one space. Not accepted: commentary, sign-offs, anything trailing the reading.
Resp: 6:00
